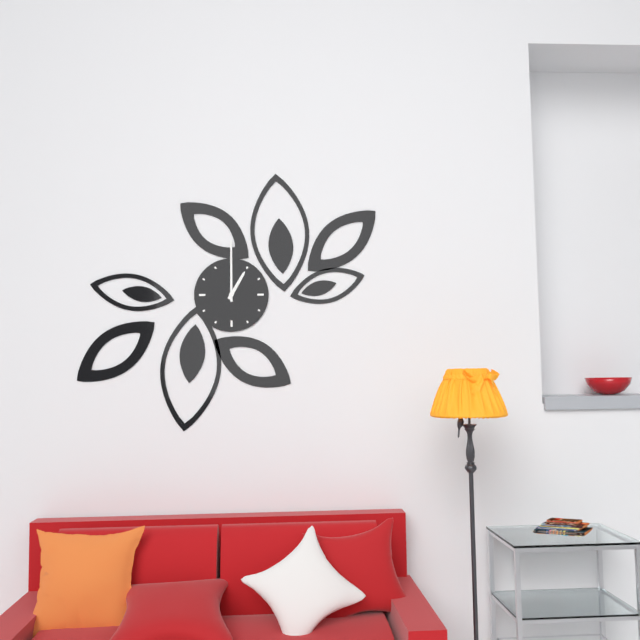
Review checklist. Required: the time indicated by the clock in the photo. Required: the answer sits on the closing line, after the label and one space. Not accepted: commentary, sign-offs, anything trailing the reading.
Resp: 1:00
